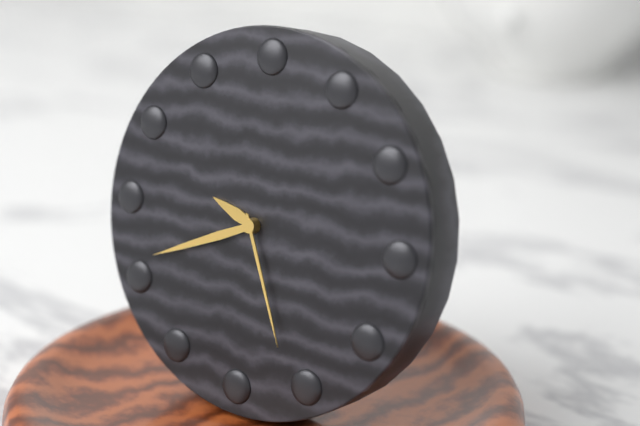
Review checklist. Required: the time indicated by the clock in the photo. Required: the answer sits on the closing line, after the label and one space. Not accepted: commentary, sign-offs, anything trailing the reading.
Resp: 9:41:26
